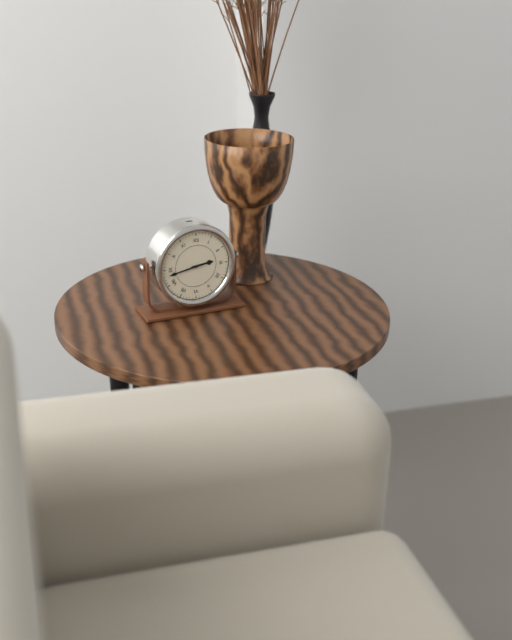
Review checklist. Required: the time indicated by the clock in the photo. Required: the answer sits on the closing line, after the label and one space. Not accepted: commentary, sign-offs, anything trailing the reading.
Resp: 2:43
